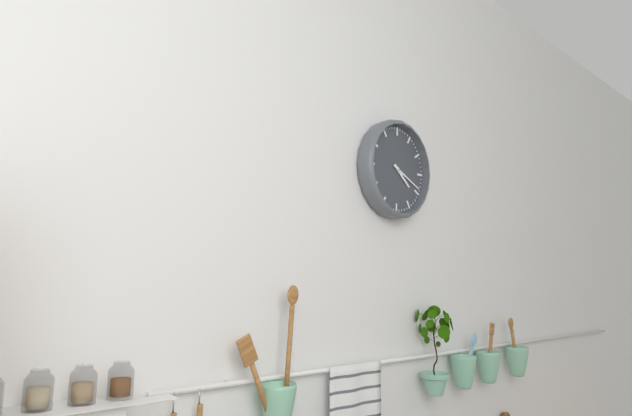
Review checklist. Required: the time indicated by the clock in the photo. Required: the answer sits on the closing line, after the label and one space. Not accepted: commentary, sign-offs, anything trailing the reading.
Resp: 4:19
